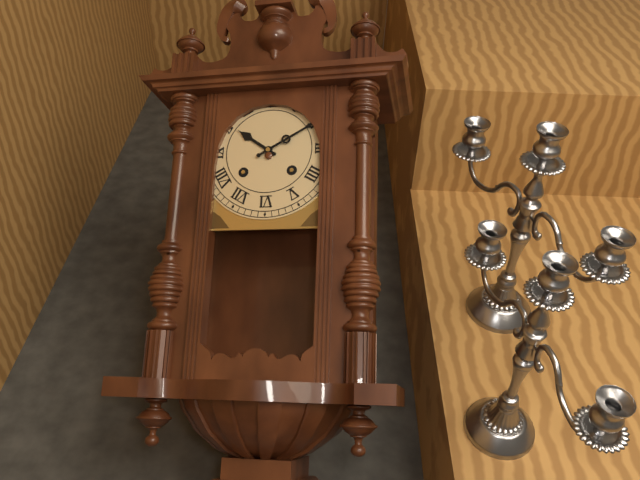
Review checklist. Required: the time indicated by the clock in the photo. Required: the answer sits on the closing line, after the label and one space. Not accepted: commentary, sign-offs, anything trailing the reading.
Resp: 10:10
